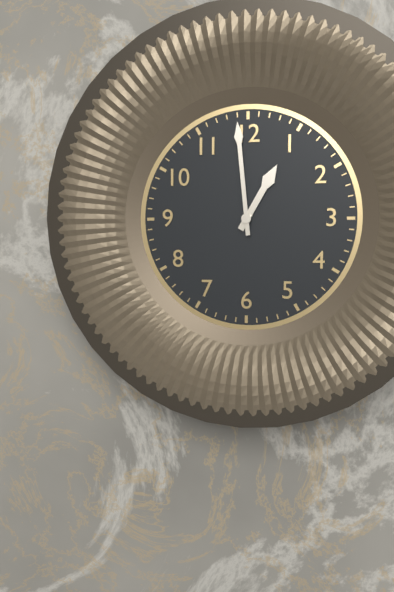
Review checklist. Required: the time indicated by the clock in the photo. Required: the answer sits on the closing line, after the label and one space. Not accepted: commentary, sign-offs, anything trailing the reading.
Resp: 12:59
